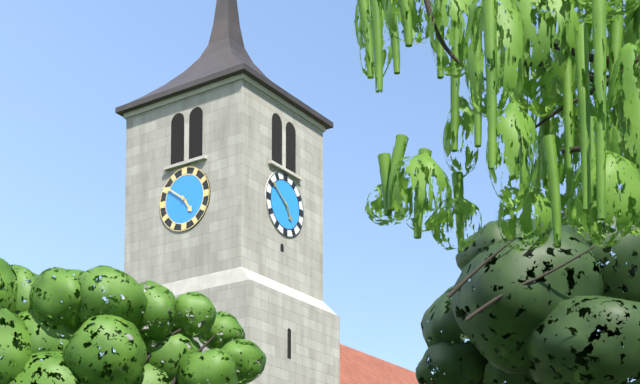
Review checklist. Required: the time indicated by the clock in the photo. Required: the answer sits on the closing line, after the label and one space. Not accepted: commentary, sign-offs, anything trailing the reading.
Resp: 4:51
